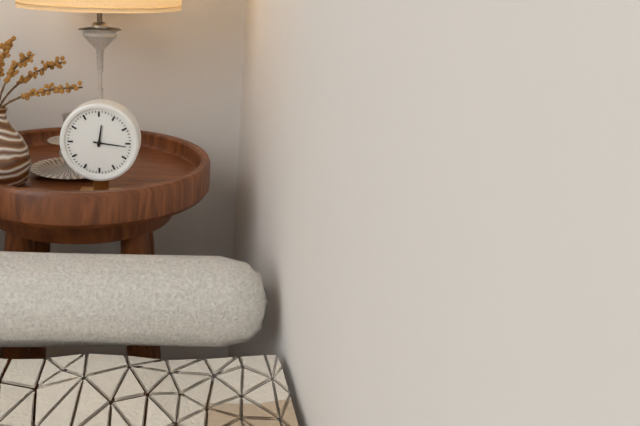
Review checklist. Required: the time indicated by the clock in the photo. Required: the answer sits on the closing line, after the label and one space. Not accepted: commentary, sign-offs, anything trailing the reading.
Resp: 12:16
